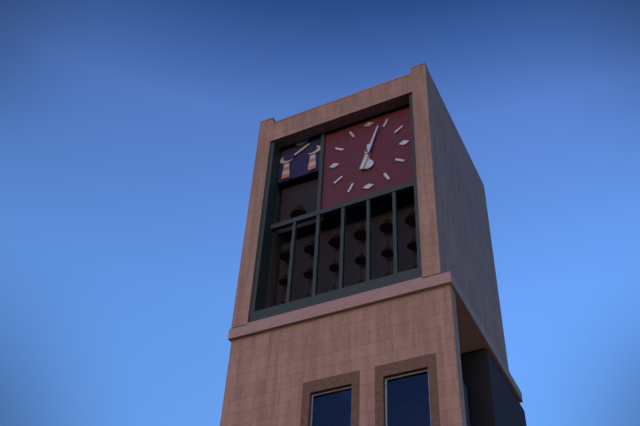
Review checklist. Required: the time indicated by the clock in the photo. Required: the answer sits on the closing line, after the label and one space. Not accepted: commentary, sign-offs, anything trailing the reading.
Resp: 6:03
